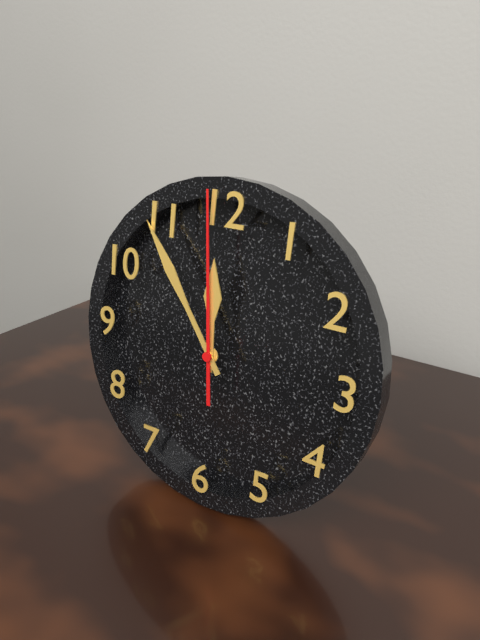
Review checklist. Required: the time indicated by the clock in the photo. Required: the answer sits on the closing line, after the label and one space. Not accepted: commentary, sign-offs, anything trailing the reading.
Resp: 11:54:59
